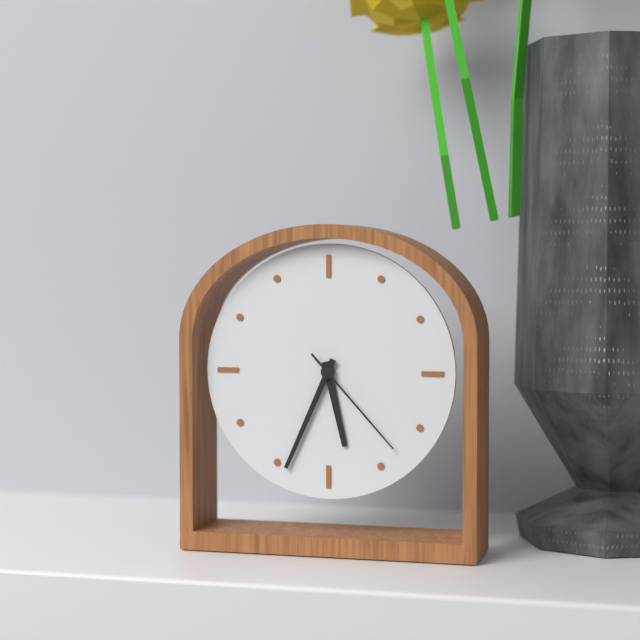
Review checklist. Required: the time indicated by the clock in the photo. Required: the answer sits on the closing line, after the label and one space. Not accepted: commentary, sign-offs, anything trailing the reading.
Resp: 5:34:23
